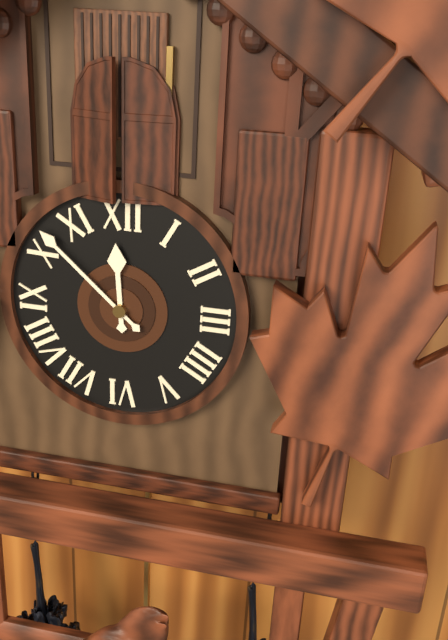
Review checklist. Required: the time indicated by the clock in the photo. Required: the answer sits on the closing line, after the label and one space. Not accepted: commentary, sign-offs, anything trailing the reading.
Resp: 11:52
